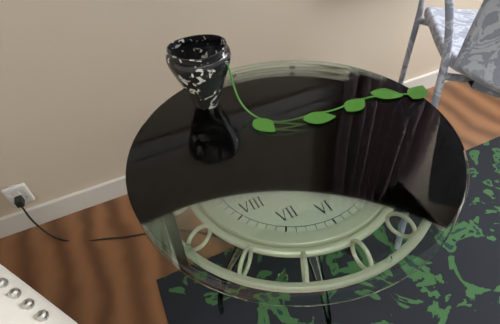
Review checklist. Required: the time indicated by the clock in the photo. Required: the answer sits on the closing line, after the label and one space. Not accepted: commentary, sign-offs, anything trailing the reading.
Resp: 1:01
